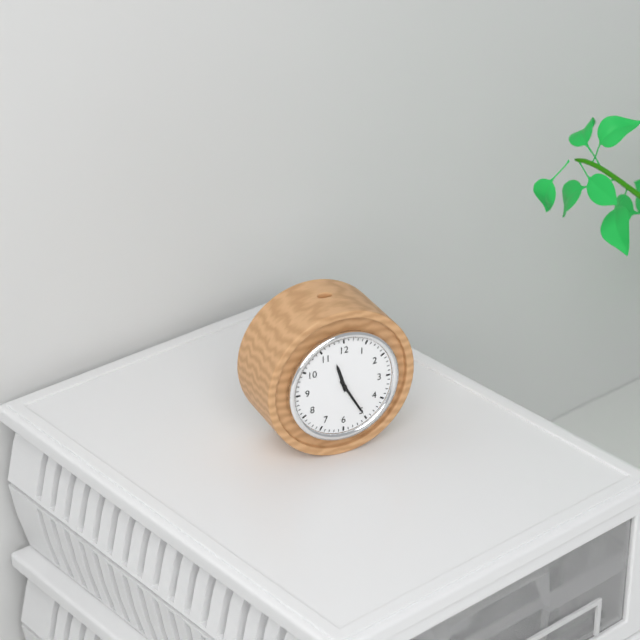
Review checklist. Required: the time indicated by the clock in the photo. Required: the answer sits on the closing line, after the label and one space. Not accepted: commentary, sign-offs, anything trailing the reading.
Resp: 11:25
